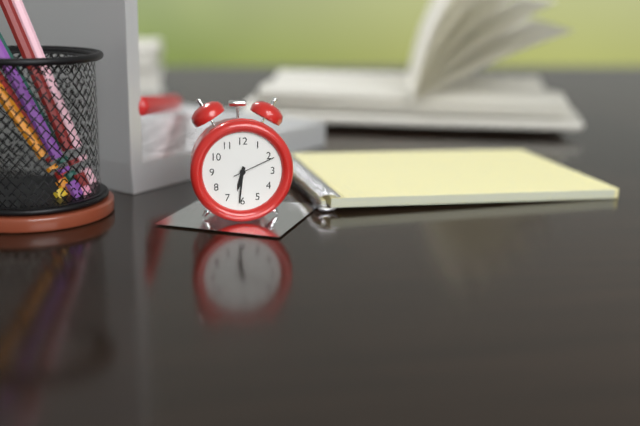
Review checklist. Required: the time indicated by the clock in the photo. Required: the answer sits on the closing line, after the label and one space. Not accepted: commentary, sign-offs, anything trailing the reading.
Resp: 6:31
